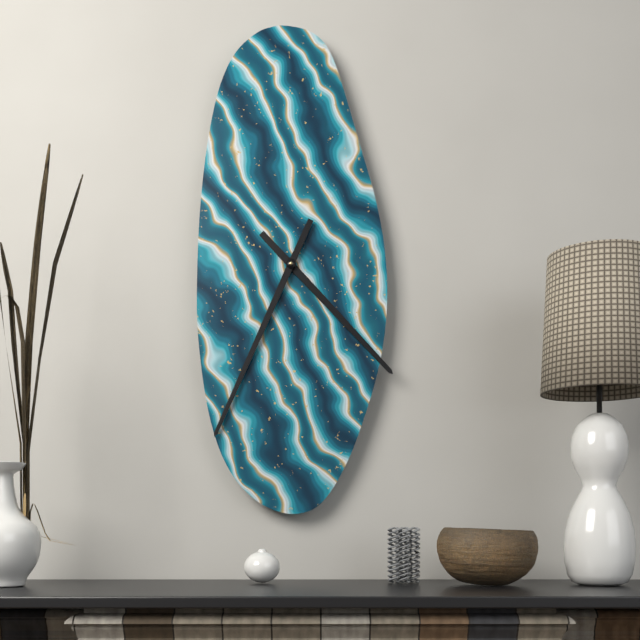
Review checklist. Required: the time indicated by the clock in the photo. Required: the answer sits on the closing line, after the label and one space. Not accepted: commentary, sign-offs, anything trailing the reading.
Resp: 4:34
